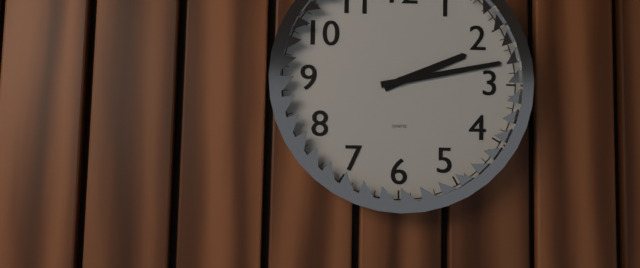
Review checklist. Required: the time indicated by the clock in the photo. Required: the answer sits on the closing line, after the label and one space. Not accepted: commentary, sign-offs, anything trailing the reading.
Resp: 2:13
